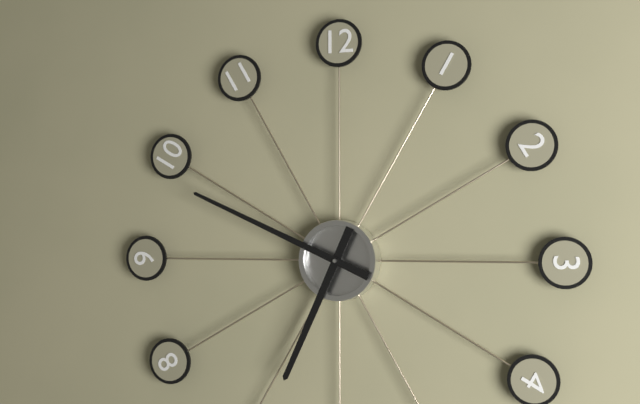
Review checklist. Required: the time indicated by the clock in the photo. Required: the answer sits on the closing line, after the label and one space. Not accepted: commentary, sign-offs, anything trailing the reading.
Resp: 6:49
